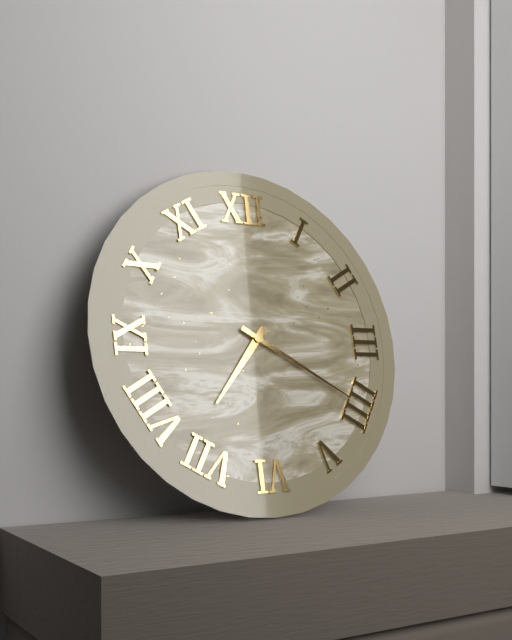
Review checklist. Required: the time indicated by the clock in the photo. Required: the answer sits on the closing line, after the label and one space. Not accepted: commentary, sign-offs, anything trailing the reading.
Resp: 7:20
